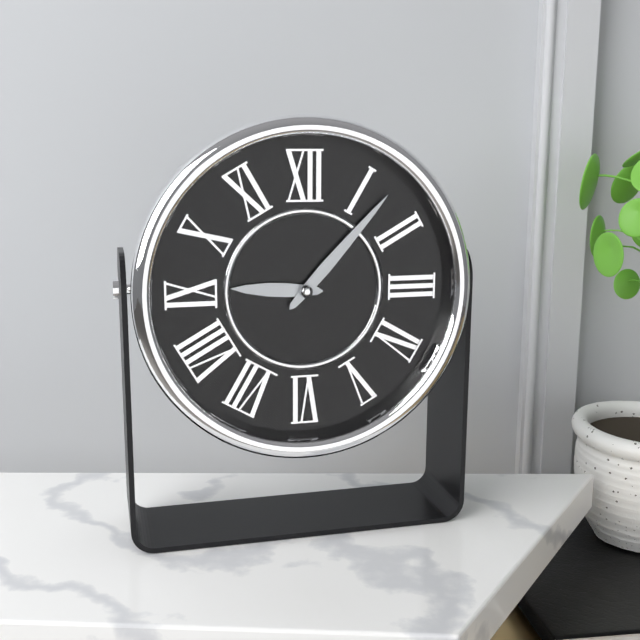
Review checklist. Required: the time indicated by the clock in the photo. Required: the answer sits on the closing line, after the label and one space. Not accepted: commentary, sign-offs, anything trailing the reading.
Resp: 9:07
